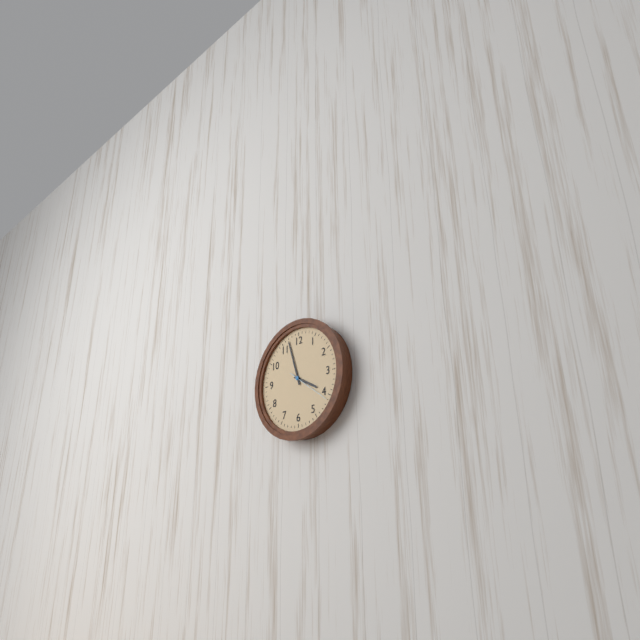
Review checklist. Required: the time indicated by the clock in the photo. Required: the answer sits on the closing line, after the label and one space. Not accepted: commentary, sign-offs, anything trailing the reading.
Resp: 3:57
